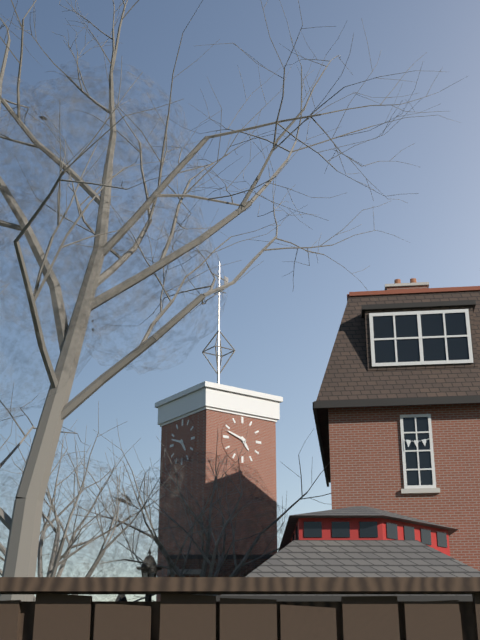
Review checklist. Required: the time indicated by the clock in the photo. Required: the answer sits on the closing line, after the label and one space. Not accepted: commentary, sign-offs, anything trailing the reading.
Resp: 4:48
